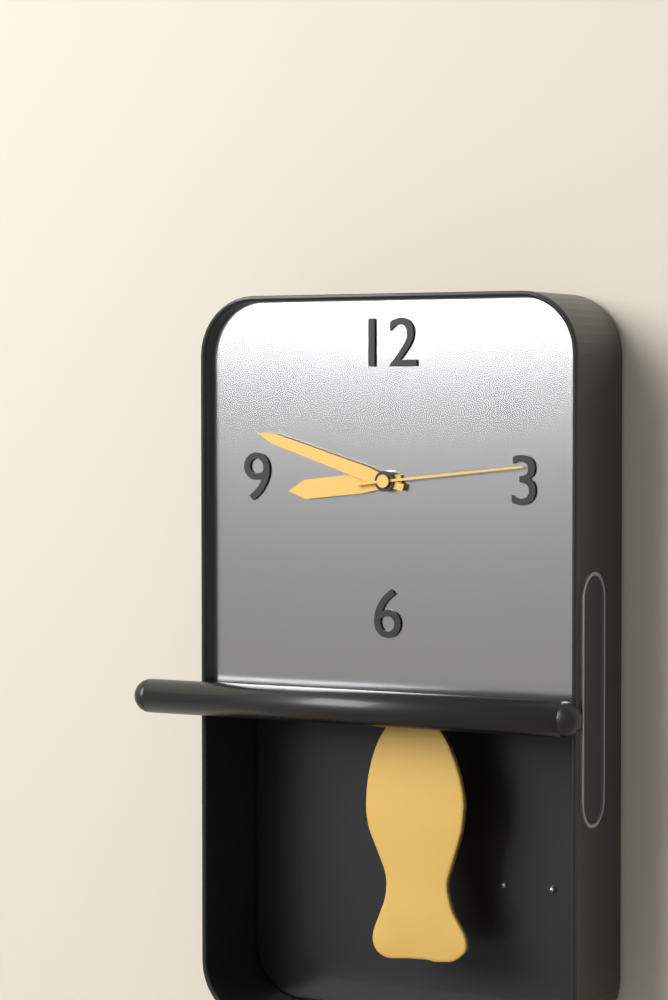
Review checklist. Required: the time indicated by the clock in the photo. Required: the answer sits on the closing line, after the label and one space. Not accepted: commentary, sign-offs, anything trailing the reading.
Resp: 8:48:14
